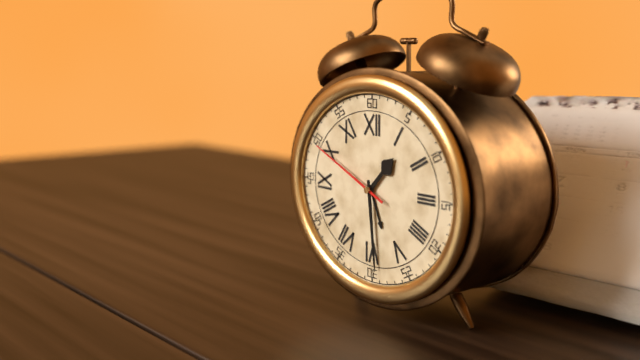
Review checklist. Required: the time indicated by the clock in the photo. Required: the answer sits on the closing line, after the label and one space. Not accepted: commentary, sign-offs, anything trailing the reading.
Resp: 1:29:49
